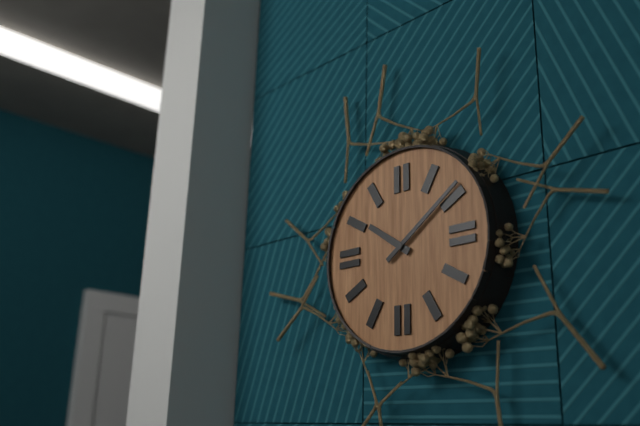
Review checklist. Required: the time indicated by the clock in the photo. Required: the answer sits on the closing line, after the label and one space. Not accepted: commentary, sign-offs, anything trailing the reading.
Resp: 10:09
